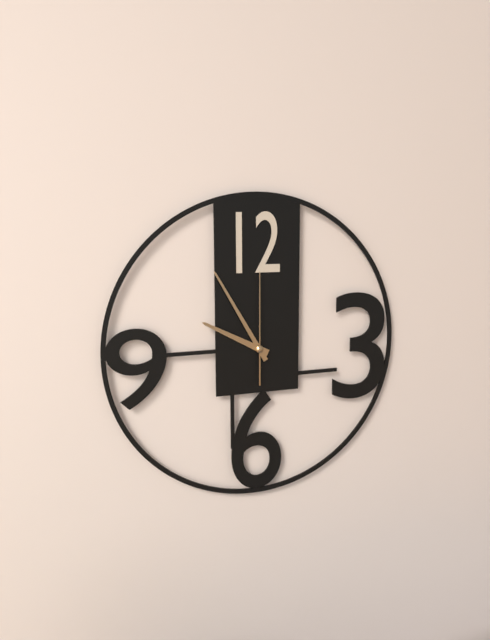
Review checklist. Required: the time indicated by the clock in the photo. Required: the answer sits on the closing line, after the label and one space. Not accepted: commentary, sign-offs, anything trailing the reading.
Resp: 9:55:00
